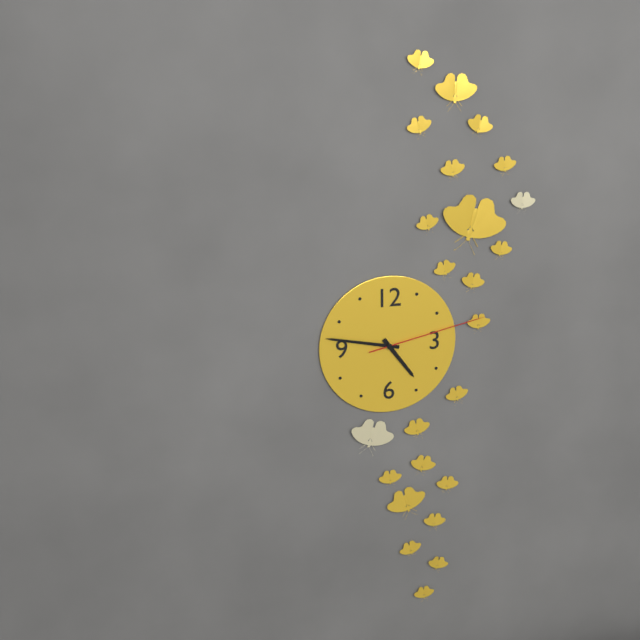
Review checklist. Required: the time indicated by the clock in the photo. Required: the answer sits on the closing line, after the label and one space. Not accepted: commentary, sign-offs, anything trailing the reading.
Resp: 4:47:13
